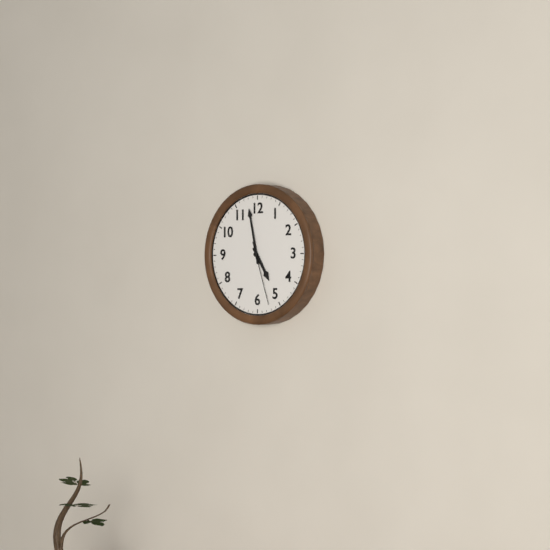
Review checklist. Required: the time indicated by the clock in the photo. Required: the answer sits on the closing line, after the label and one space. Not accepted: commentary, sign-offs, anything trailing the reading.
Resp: 4:58:27
